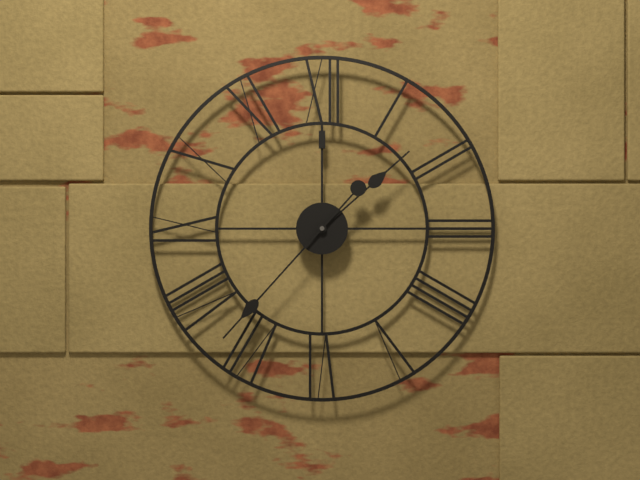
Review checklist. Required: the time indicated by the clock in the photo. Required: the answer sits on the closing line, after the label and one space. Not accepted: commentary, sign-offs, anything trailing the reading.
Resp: 1:37
